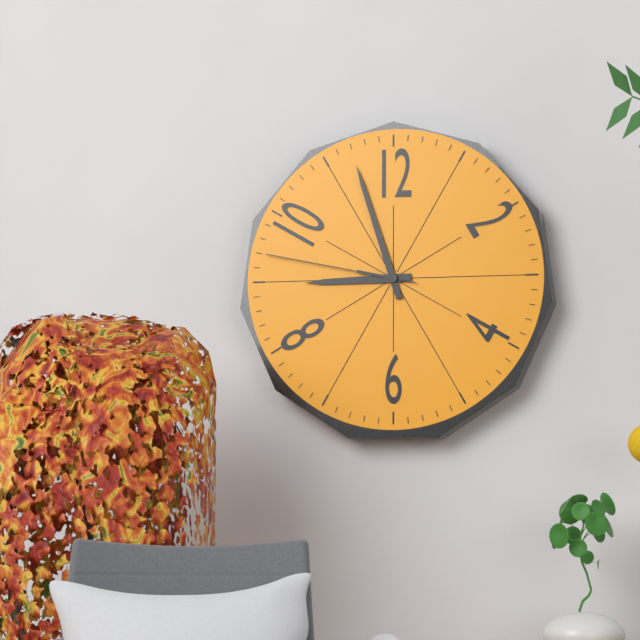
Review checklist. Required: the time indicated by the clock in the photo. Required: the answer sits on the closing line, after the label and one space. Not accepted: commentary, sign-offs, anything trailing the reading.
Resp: 8:57:47
